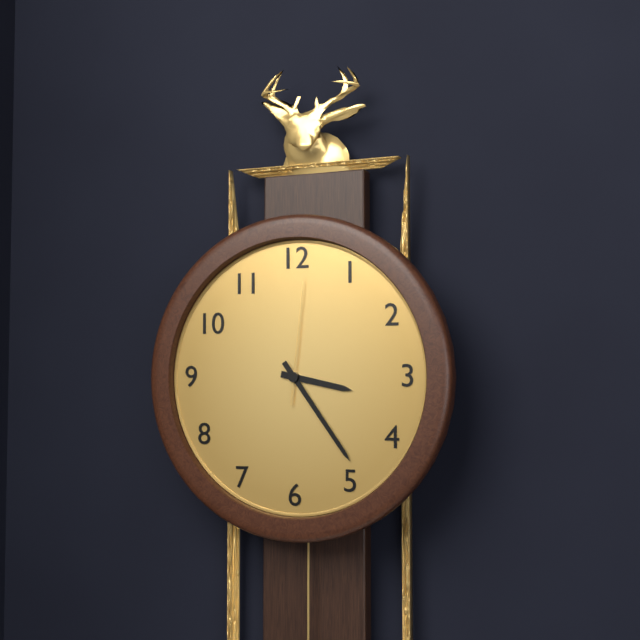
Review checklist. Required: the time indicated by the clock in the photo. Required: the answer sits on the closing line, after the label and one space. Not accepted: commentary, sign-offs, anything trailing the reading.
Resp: 3:24:01
